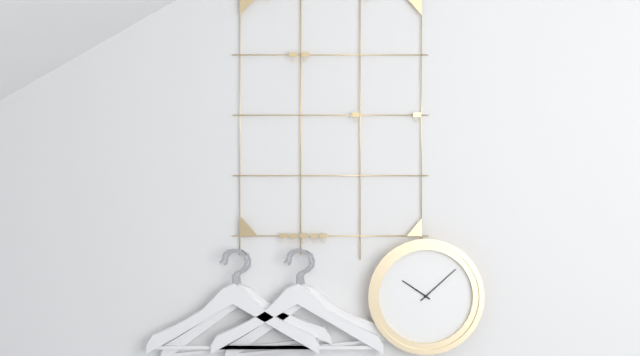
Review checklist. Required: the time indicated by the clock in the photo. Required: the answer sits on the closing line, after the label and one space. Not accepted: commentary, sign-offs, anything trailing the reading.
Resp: 10:08
